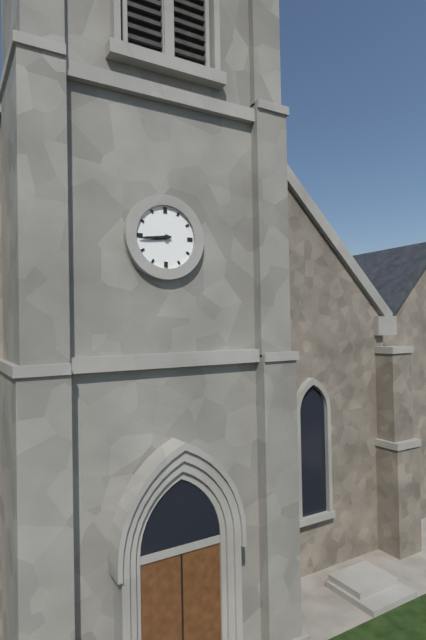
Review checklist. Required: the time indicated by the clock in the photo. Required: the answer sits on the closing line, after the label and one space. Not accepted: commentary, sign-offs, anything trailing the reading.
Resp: 8:44
